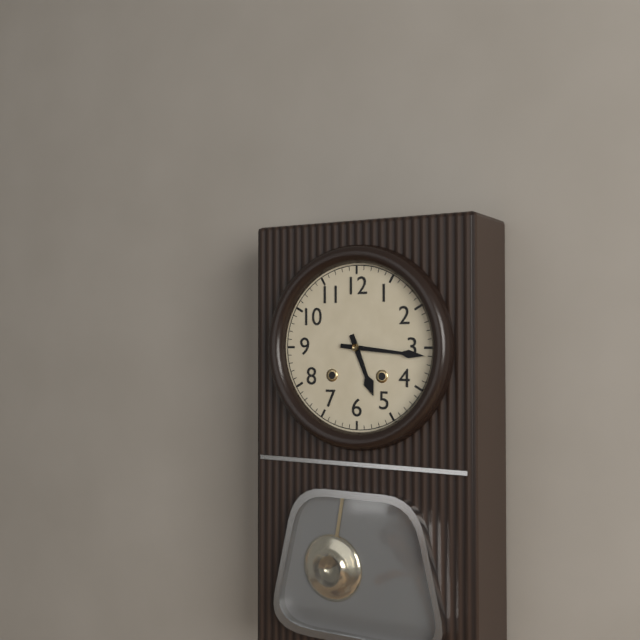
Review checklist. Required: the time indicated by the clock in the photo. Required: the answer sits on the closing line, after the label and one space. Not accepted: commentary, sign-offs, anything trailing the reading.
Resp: 5:16
